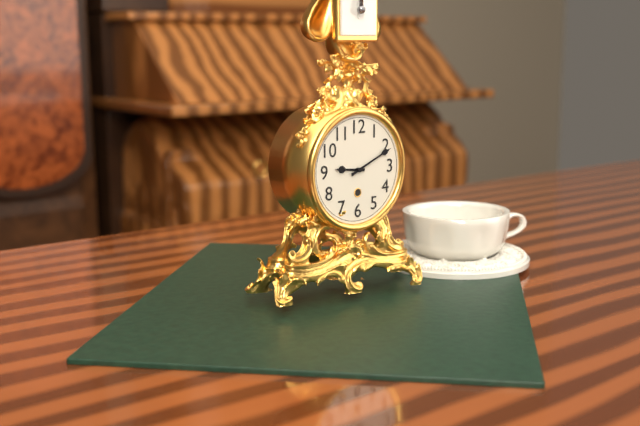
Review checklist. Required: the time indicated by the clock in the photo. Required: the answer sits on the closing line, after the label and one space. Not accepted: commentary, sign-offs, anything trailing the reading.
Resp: 9:11
